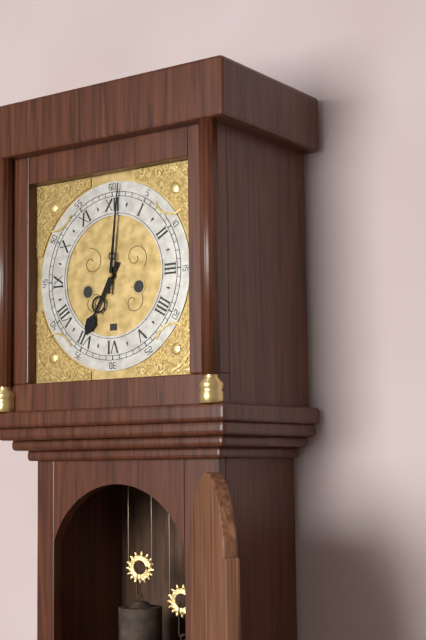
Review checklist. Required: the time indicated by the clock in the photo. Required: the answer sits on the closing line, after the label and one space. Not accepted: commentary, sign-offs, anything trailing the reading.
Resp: 7:01
